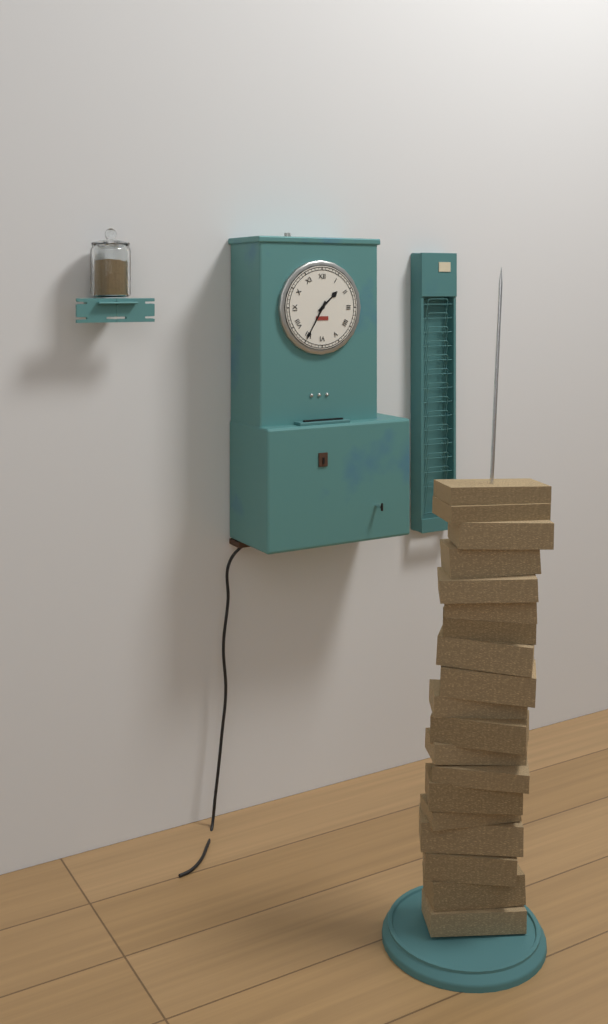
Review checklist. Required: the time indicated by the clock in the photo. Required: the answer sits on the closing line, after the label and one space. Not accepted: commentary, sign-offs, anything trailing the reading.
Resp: 1:35
